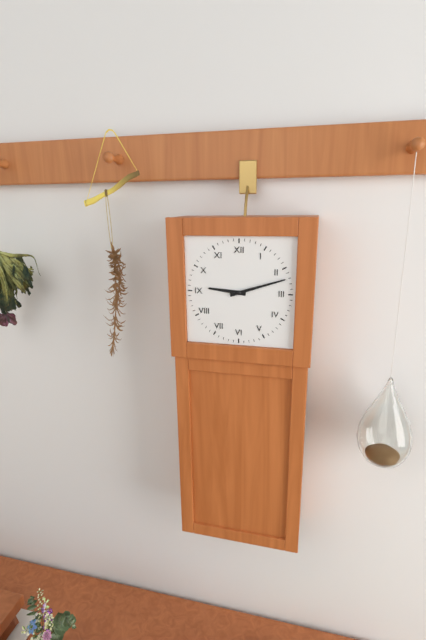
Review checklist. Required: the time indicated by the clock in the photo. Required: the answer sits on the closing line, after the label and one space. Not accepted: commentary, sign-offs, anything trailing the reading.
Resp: 9:12
